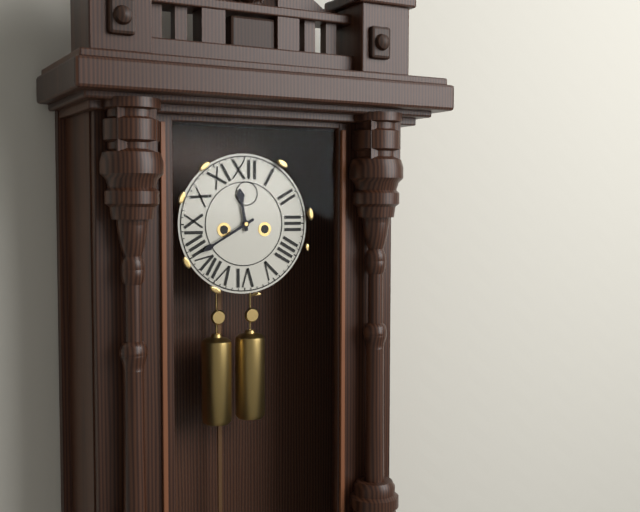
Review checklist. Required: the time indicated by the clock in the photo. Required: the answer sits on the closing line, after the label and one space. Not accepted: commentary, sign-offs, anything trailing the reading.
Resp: 11:40
